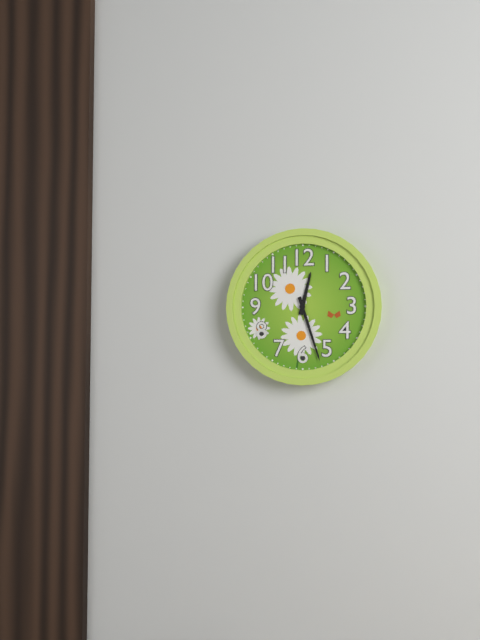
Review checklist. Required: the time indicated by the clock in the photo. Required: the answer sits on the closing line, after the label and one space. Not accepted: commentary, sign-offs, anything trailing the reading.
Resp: 12:27
